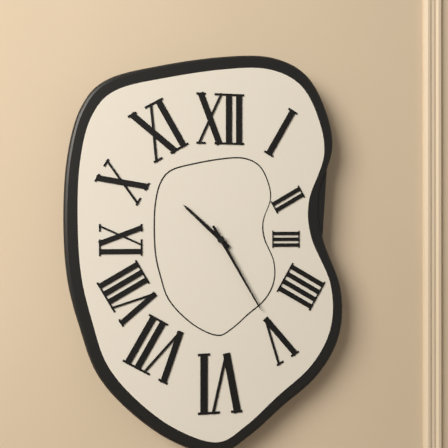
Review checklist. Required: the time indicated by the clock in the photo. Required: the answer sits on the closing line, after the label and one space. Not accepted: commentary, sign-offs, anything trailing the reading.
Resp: 10:25
